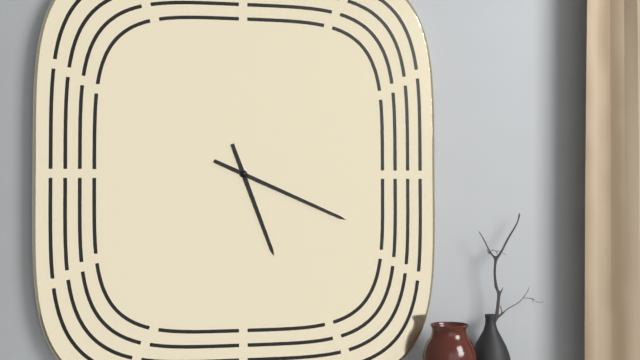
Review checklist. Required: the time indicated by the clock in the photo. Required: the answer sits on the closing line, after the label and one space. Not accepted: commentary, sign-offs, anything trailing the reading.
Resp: 5:19
